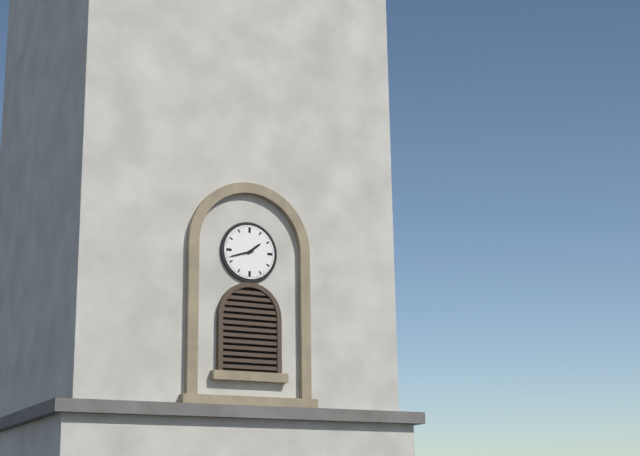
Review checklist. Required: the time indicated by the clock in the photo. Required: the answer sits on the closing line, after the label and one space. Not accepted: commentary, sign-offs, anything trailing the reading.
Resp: 1:42
